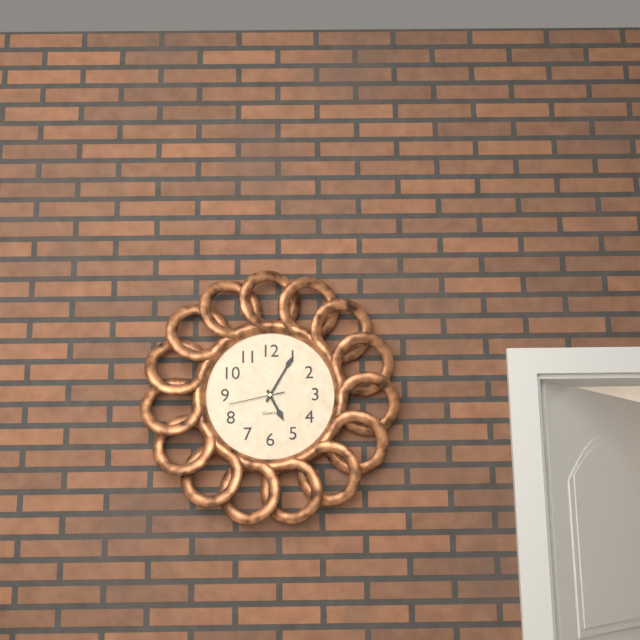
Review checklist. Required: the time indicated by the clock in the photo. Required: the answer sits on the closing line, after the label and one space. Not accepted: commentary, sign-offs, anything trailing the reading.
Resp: 5:05:43
